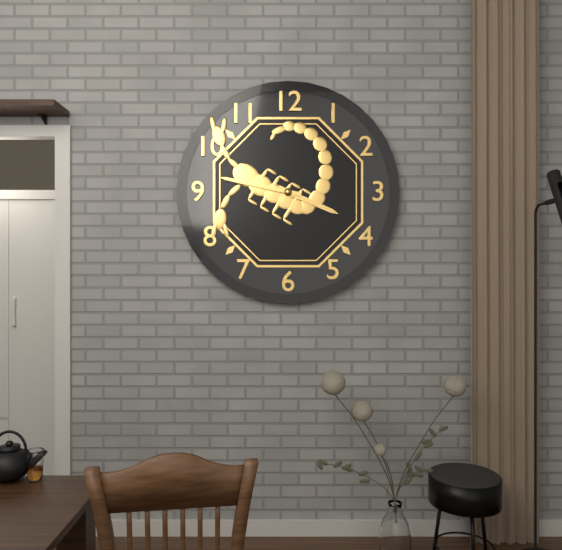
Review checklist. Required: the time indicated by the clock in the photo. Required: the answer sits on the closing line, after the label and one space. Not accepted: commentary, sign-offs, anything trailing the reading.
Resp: 3:47
